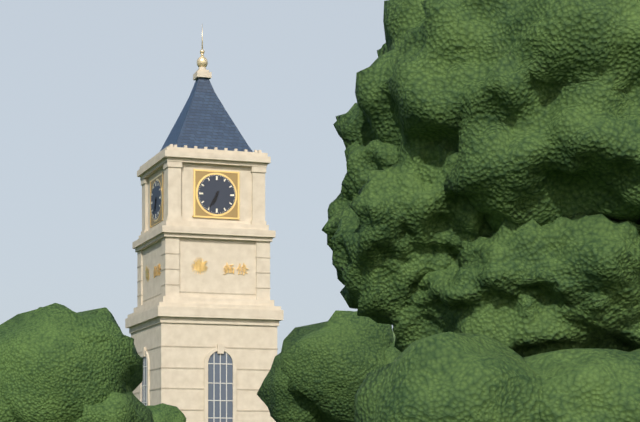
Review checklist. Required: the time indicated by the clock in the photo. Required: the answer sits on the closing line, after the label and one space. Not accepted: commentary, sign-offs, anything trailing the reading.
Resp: 6:35
